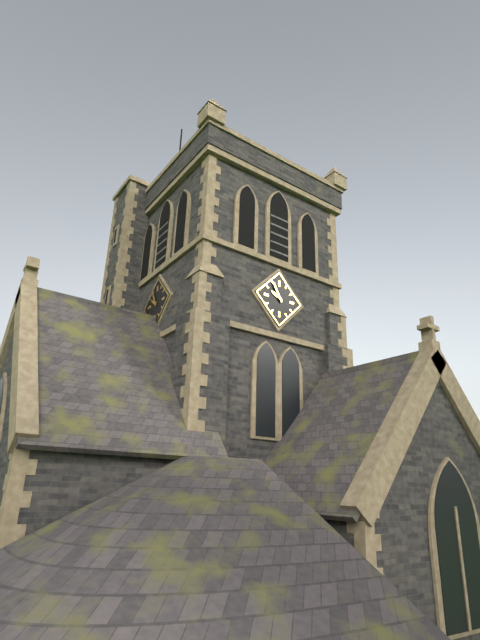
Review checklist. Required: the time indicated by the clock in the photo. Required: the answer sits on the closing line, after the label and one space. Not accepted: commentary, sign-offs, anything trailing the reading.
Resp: 9:55
